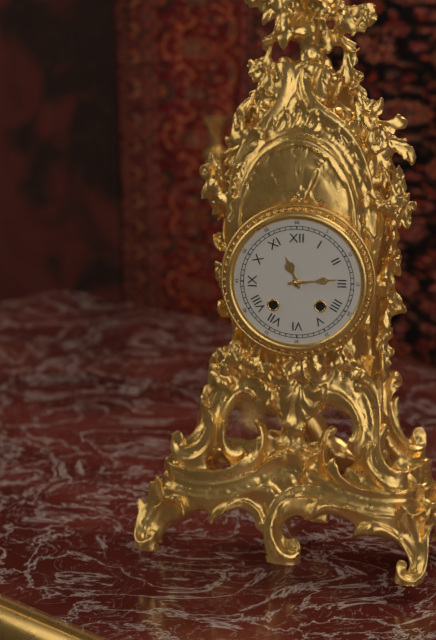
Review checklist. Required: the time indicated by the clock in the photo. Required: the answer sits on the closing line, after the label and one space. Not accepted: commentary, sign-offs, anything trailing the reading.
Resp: 11:14
